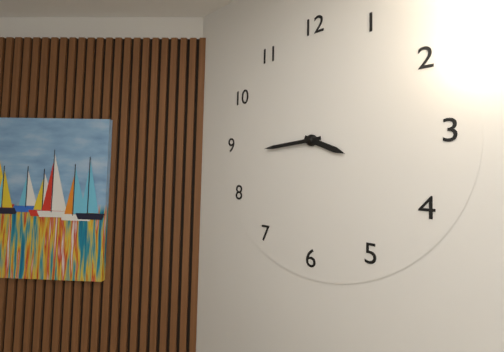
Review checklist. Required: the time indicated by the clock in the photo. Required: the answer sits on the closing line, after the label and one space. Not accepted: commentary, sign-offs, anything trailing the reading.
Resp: 3:44
